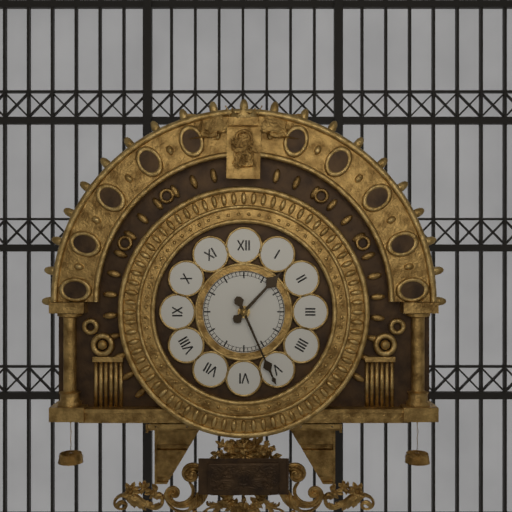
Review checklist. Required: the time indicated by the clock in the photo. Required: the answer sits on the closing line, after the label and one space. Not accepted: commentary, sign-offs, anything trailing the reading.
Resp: 1:26
